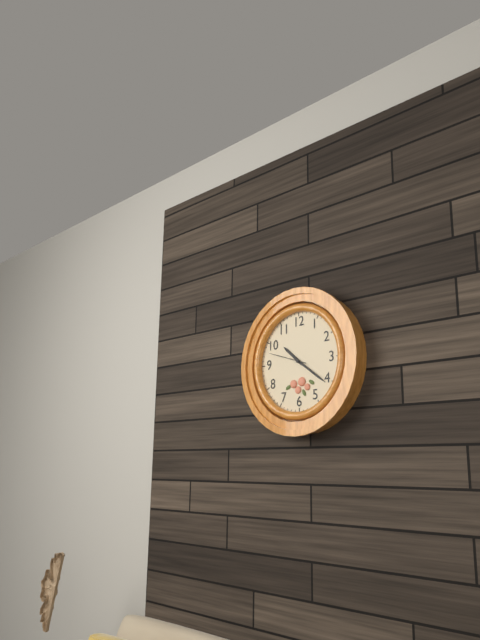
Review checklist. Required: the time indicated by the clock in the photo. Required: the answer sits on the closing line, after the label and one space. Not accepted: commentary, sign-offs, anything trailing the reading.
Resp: 10:21
